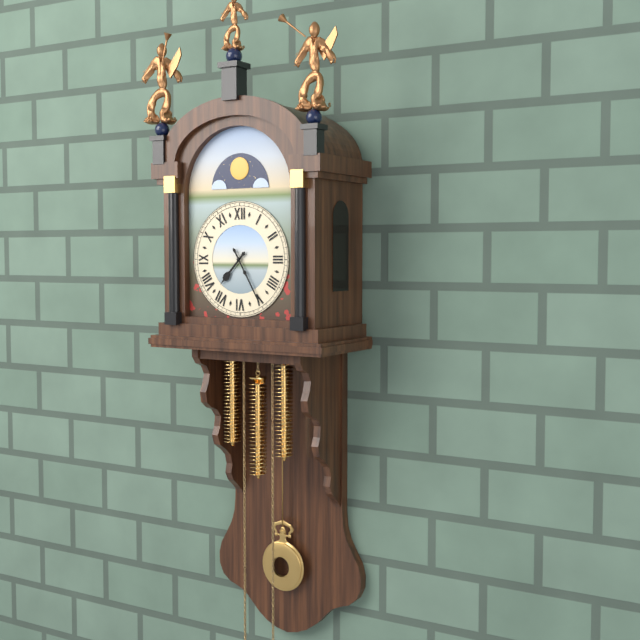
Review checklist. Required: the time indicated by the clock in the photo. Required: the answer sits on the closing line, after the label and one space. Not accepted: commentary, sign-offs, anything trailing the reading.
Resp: 7:25
